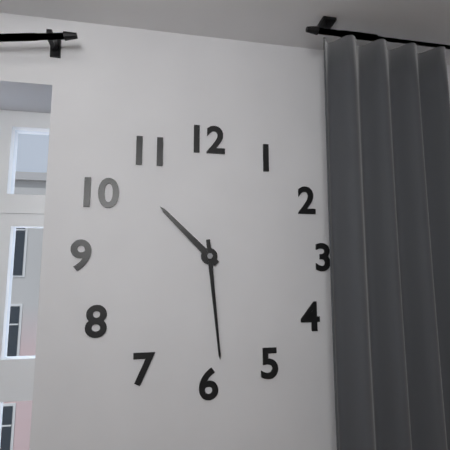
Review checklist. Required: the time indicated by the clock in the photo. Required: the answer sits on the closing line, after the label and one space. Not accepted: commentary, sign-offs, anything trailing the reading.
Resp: 10:29
